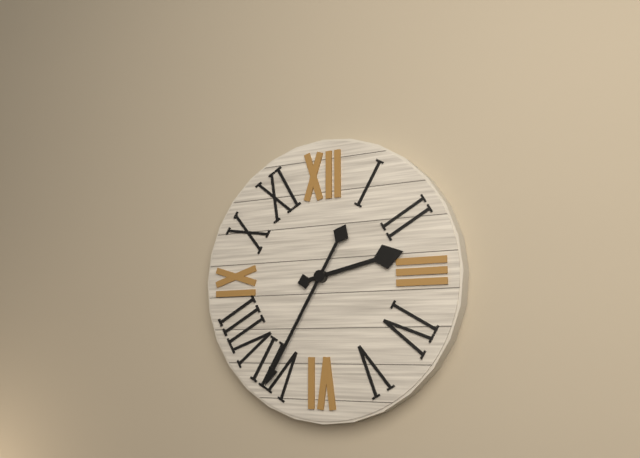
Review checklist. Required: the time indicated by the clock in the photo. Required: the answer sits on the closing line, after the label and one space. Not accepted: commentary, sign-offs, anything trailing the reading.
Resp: 2:35
